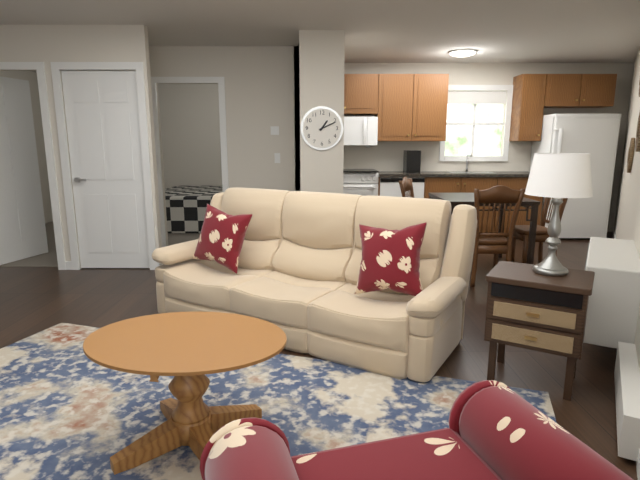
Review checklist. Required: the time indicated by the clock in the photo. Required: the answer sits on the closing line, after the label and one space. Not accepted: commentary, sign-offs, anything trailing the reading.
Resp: 1:11
